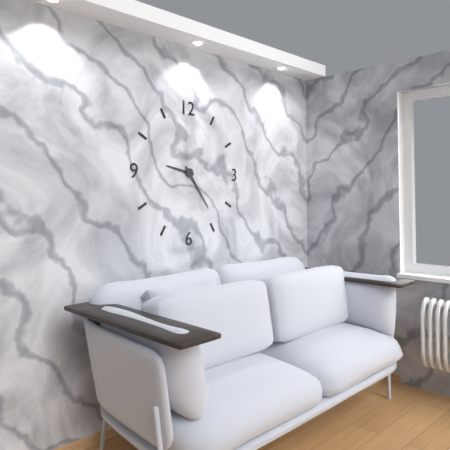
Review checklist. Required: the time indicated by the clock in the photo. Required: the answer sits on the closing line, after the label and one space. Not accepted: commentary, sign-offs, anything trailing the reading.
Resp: 9:24
